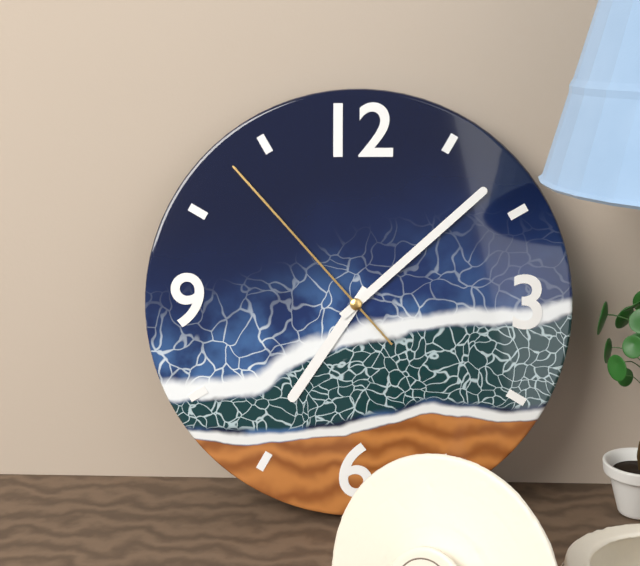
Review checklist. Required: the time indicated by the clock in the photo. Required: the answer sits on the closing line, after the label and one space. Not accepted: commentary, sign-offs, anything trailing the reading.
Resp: 7:08:53
